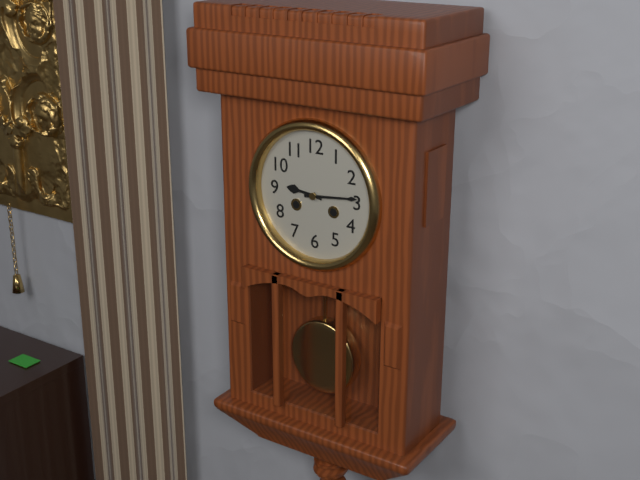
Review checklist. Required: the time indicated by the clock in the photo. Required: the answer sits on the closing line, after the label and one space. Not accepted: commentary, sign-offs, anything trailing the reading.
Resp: 9:14
